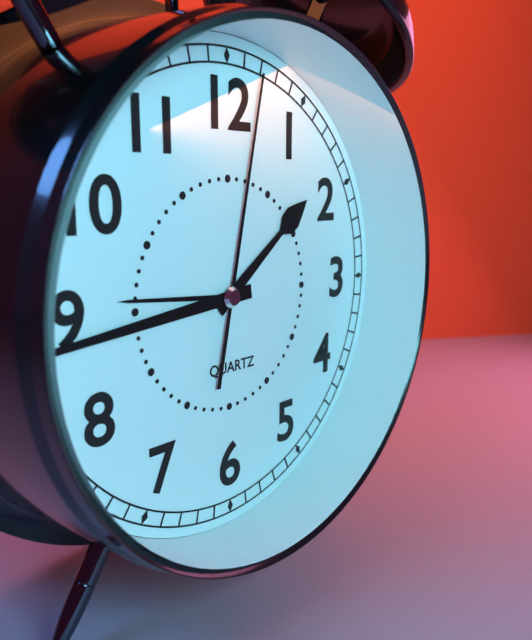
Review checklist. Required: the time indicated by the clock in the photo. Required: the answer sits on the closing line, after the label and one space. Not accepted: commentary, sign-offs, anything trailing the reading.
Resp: 1:44:02
